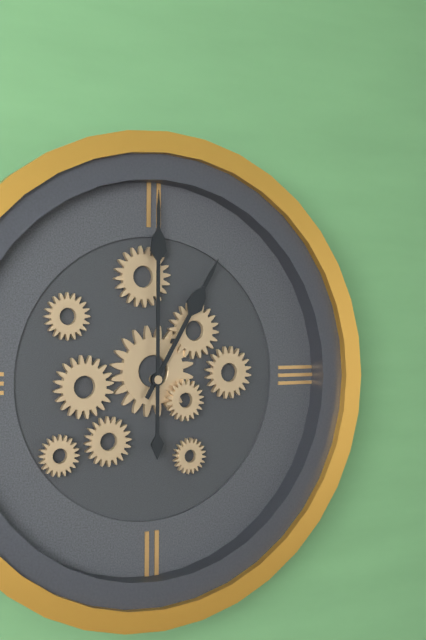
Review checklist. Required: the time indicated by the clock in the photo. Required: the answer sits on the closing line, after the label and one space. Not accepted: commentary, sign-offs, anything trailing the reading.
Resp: 1:00
